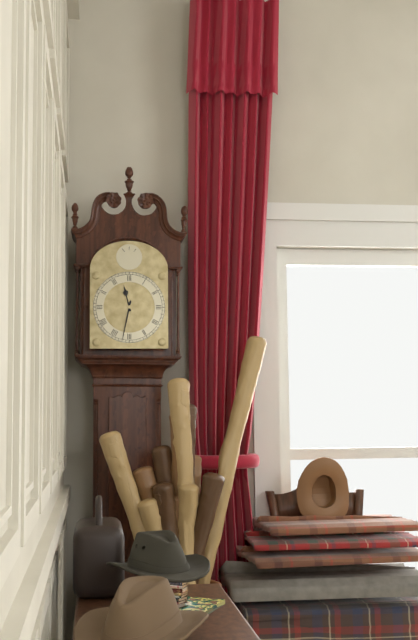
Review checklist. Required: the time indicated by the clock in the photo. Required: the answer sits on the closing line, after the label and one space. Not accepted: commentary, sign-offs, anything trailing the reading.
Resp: 11:32
